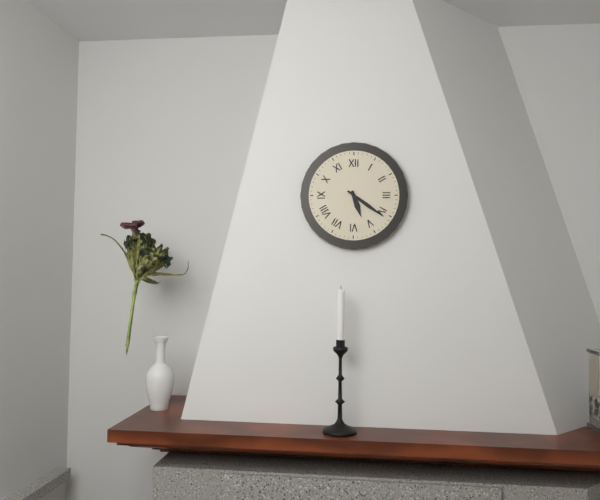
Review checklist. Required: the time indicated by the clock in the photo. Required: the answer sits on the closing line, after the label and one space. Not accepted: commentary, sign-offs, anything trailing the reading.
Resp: 5:21
